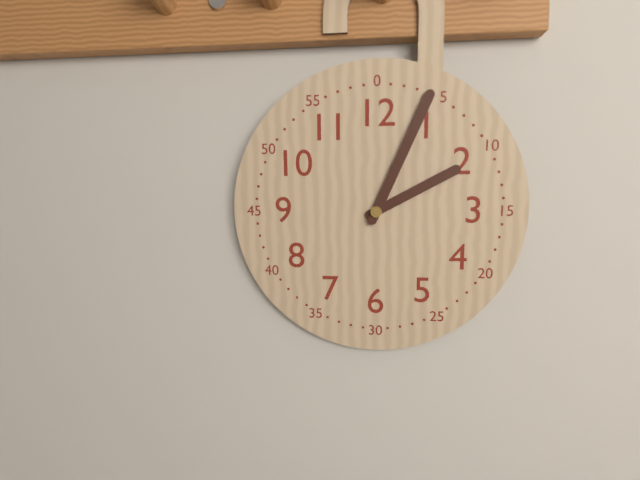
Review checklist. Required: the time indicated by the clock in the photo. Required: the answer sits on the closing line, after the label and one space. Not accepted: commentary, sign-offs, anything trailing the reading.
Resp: 2:04
